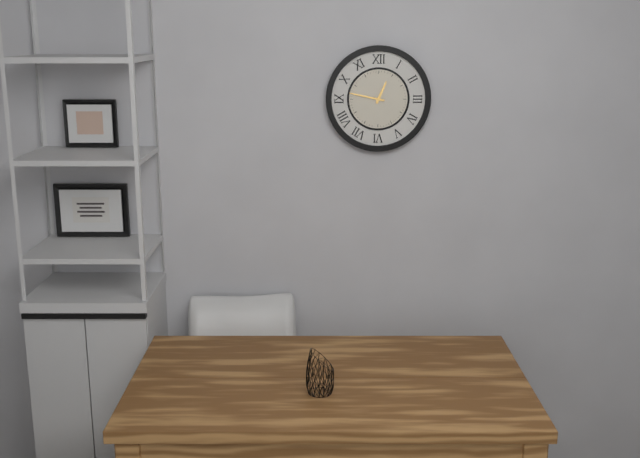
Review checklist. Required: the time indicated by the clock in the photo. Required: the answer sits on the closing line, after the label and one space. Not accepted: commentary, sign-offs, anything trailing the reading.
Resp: 12:47
